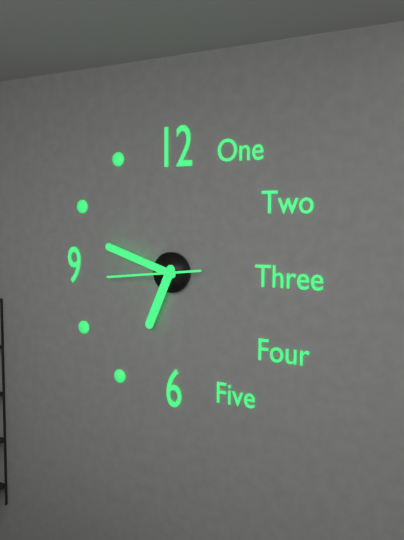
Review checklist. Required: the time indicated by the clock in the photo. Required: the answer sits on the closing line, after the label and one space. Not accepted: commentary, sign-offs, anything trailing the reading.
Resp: 6:48:44
